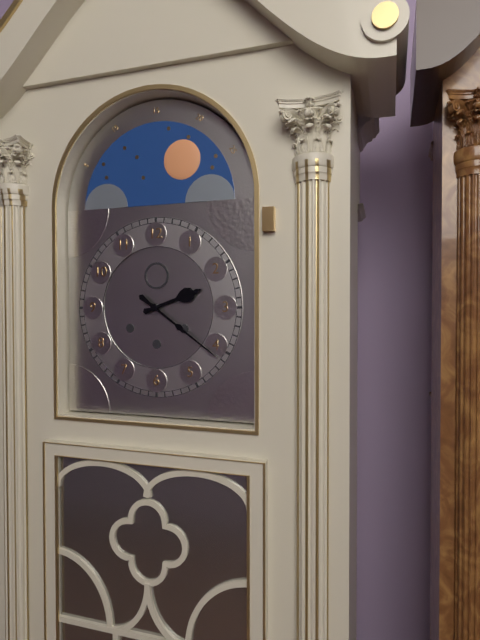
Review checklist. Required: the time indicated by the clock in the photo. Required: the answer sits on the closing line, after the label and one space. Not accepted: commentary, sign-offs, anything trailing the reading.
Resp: 2:21
